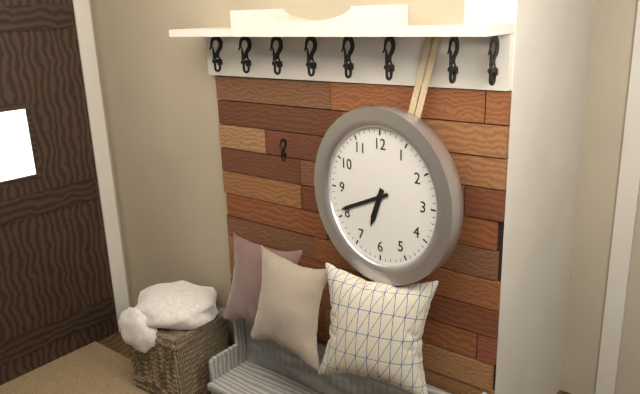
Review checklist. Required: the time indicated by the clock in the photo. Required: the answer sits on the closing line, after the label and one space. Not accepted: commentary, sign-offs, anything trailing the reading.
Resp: 6:41
